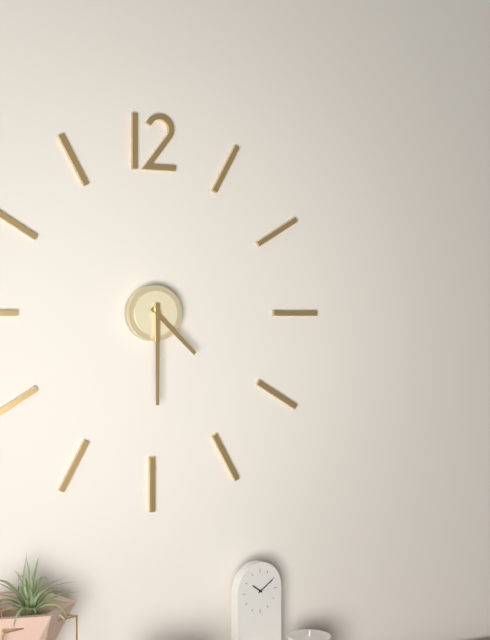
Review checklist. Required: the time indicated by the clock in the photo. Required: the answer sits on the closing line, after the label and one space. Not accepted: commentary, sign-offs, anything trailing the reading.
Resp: 4:30
